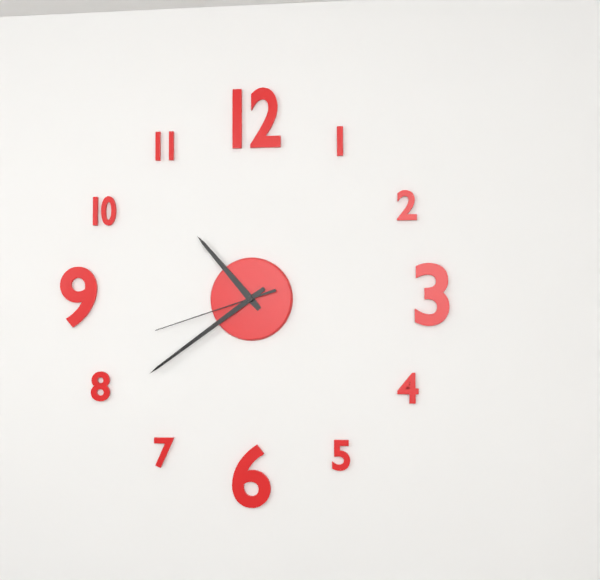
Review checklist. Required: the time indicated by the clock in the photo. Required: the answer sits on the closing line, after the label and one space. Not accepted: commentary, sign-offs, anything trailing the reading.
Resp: 10:39:42
